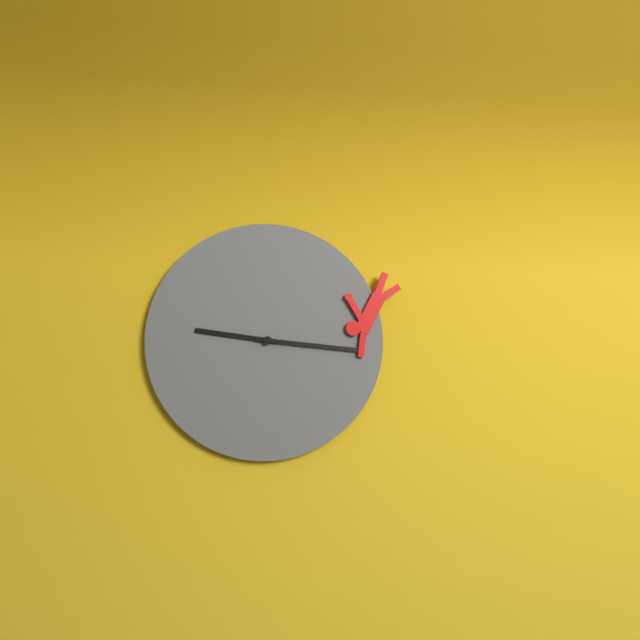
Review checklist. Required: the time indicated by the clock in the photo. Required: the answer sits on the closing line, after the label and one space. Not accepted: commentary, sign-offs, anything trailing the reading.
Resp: 9:16
